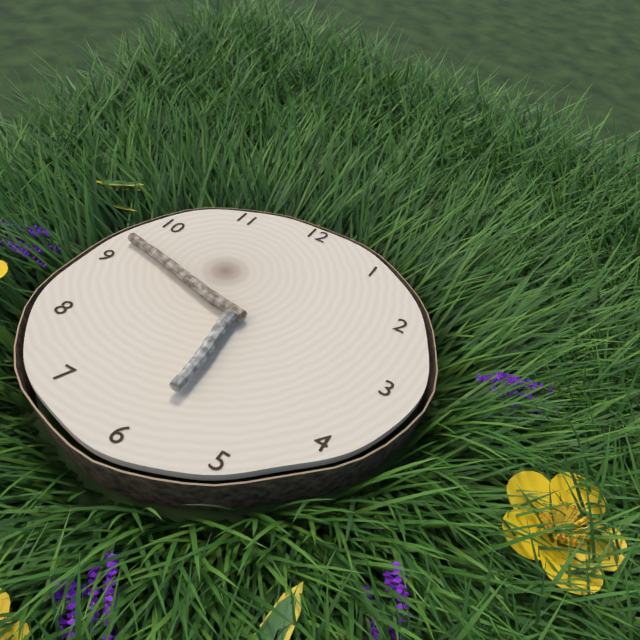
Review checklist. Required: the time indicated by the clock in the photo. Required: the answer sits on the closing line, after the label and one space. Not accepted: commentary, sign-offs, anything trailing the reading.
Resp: 5:47
